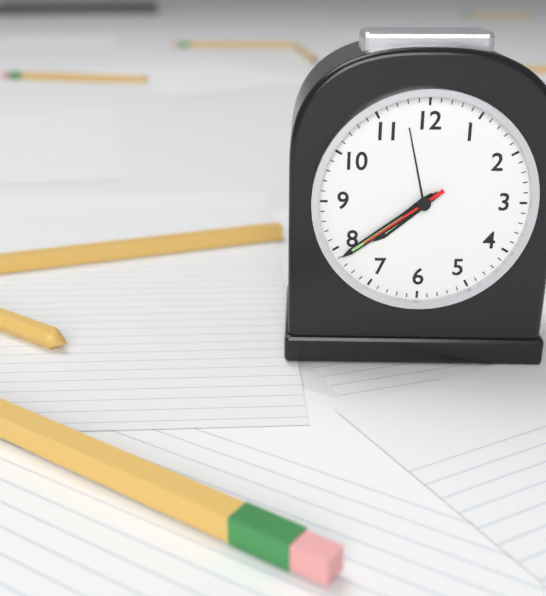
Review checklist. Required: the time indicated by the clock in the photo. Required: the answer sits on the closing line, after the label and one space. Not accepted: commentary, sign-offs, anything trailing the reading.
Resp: 7:39:39
